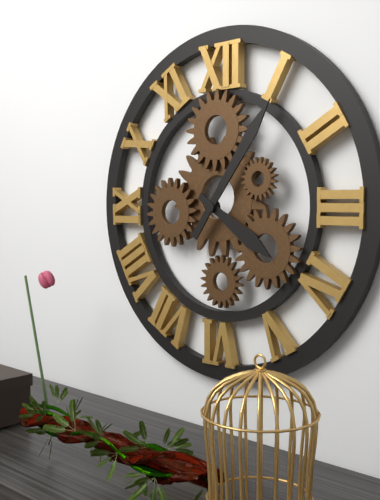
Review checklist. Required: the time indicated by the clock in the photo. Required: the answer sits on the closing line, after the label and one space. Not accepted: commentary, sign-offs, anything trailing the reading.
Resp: 4:06
